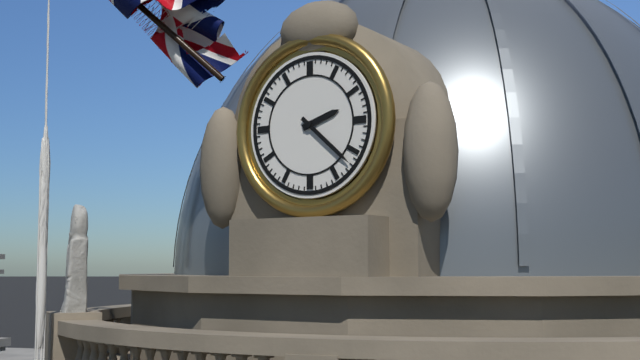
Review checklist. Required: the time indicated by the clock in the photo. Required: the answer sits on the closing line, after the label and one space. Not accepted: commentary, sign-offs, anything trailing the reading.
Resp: 2:22
